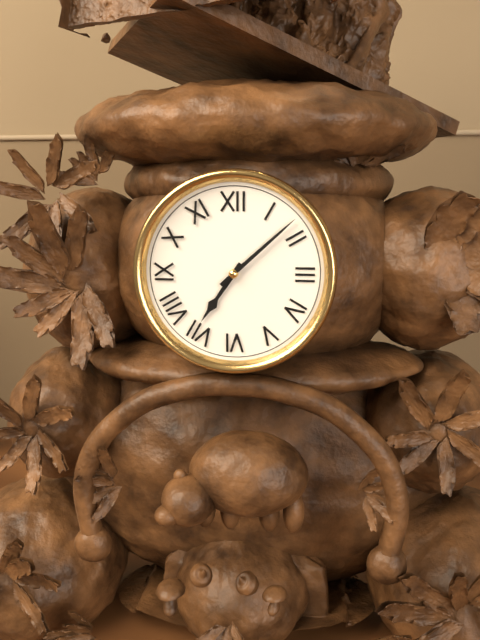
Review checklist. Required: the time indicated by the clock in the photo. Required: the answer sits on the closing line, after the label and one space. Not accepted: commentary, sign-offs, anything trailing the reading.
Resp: 7:08
